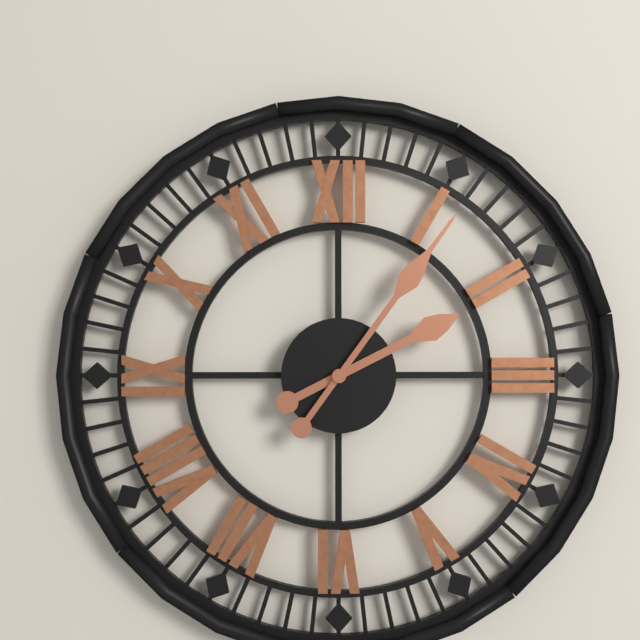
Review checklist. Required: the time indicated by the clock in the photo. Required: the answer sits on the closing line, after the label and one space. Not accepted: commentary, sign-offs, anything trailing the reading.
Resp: 2:06
